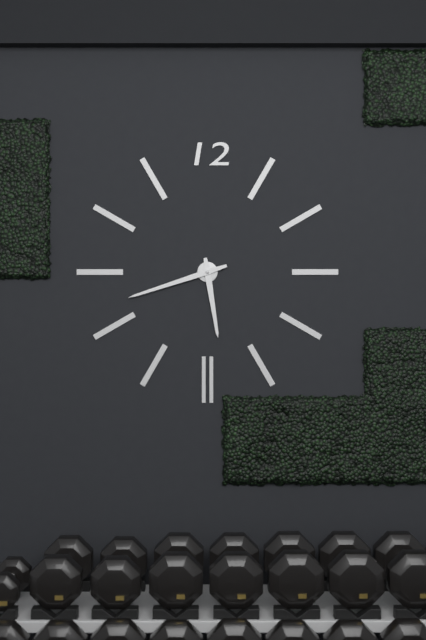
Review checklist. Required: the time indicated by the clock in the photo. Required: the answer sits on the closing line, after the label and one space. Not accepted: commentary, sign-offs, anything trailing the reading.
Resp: 5:42
